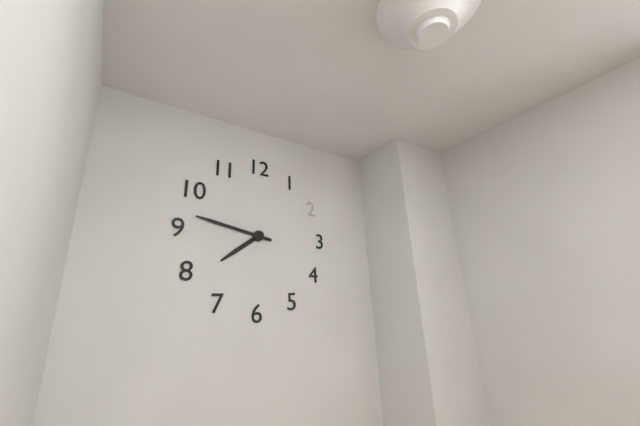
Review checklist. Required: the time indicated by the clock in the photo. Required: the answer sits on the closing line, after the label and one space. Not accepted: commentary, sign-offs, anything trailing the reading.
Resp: 7:47
